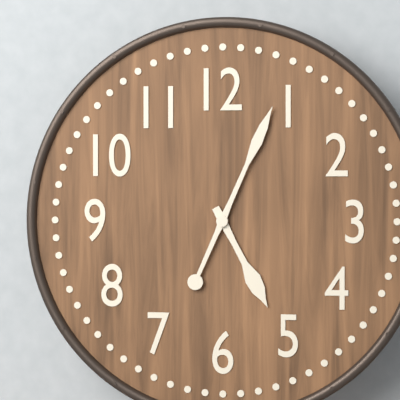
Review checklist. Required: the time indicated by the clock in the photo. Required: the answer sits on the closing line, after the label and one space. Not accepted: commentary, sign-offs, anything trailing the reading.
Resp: 5:04
